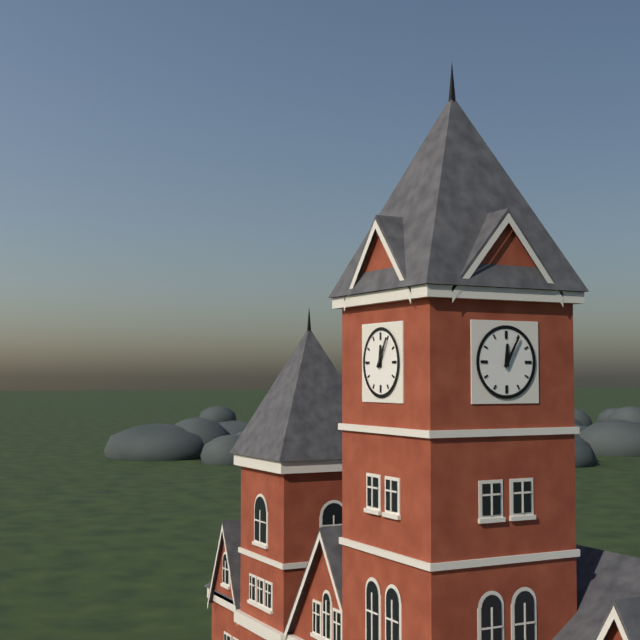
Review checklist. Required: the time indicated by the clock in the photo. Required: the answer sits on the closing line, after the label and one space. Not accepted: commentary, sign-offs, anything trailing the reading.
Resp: 12:05
